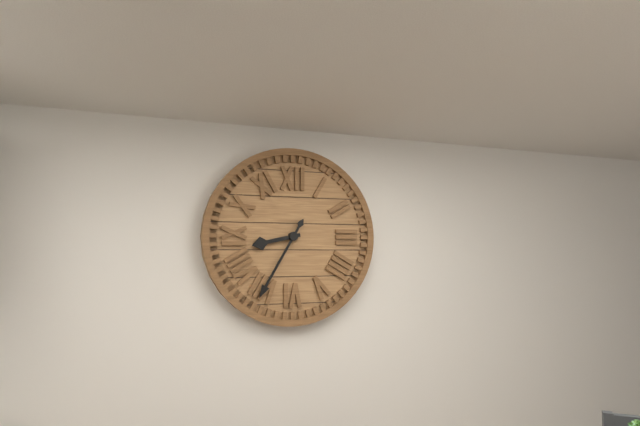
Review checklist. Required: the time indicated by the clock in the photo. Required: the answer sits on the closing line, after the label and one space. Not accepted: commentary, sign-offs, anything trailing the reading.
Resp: 8:35
